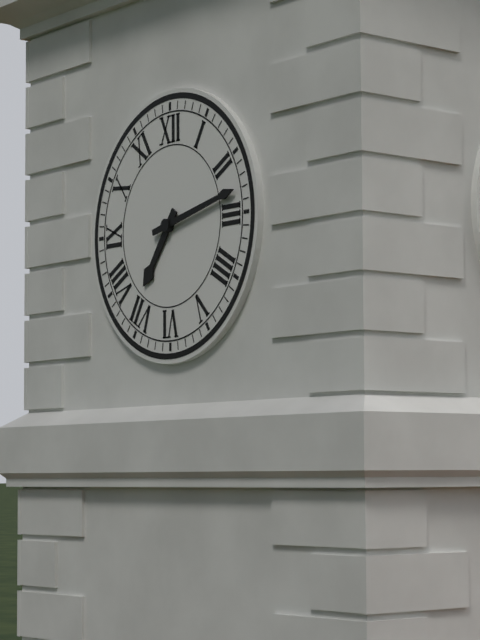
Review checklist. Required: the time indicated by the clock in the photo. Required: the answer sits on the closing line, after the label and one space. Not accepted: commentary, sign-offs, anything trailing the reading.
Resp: 7:13
